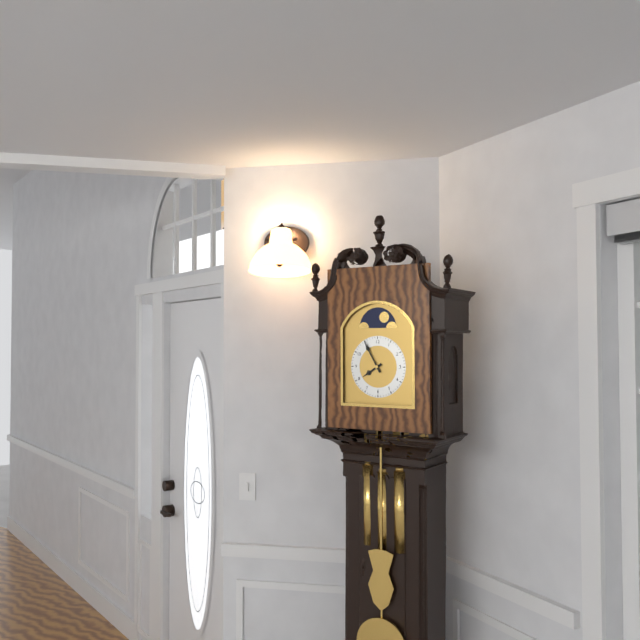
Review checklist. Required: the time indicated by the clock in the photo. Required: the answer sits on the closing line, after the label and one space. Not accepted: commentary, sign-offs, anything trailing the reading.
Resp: 7:55
